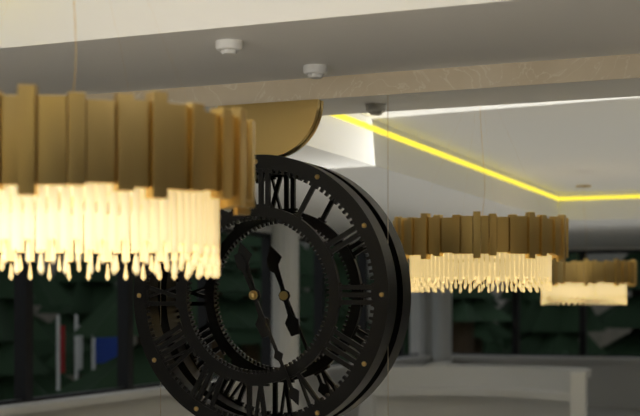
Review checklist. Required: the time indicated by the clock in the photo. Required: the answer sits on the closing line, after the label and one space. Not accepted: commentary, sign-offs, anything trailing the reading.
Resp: 11:26
